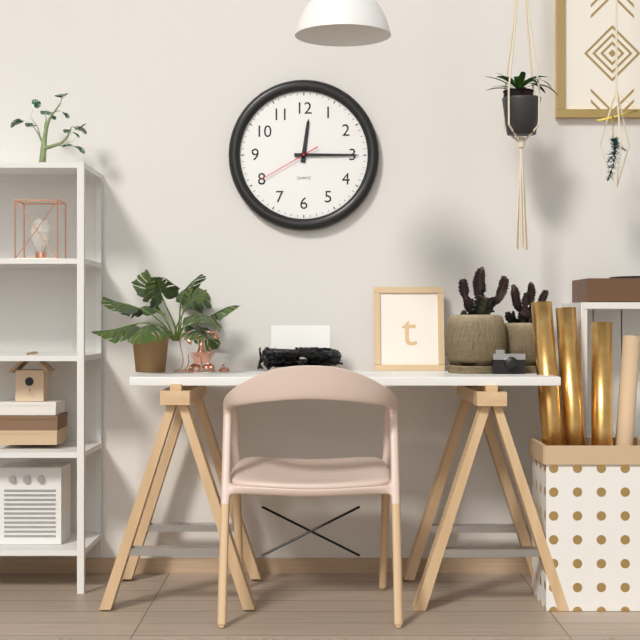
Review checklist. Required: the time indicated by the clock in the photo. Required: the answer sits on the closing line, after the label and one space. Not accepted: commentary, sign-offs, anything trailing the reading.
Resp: 12:15:40
